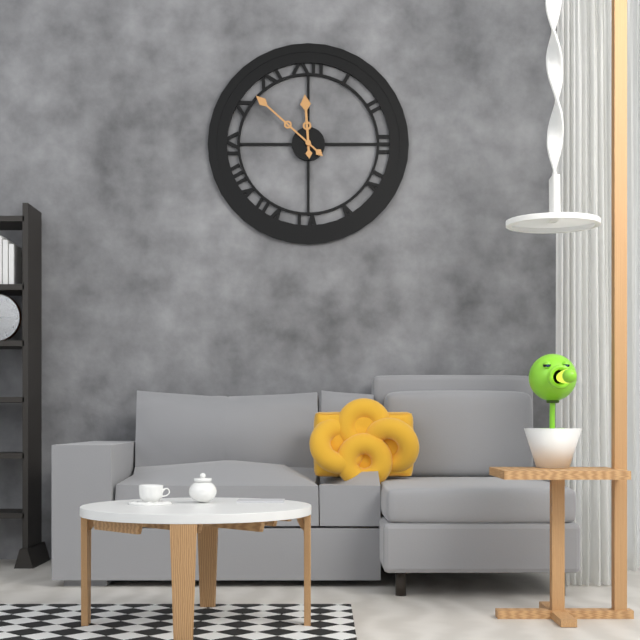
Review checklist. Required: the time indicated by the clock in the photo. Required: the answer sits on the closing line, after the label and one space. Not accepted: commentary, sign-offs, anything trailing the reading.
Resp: 11:52
